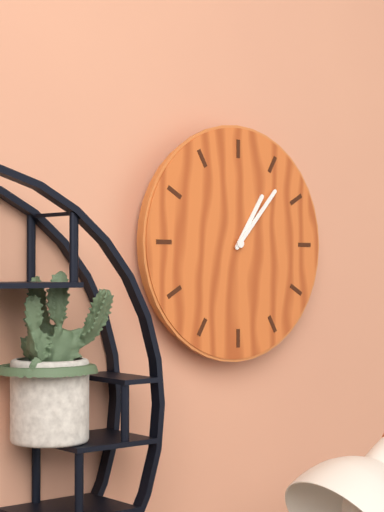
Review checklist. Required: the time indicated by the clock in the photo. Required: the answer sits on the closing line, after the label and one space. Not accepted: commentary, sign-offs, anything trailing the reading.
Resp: 1:07
